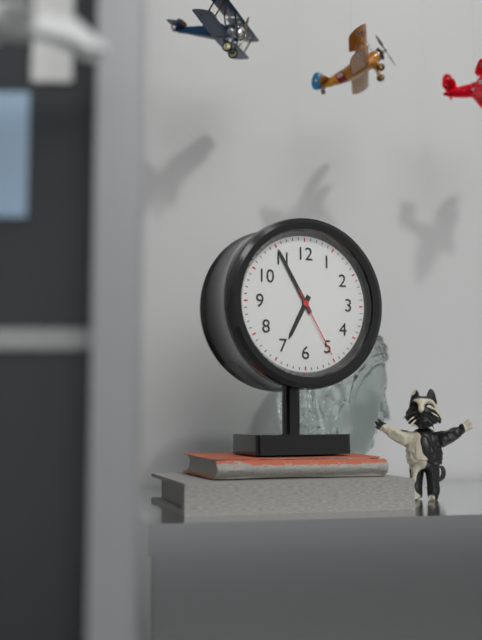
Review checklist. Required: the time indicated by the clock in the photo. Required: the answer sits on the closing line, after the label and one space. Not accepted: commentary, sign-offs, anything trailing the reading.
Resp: 6:55:25
